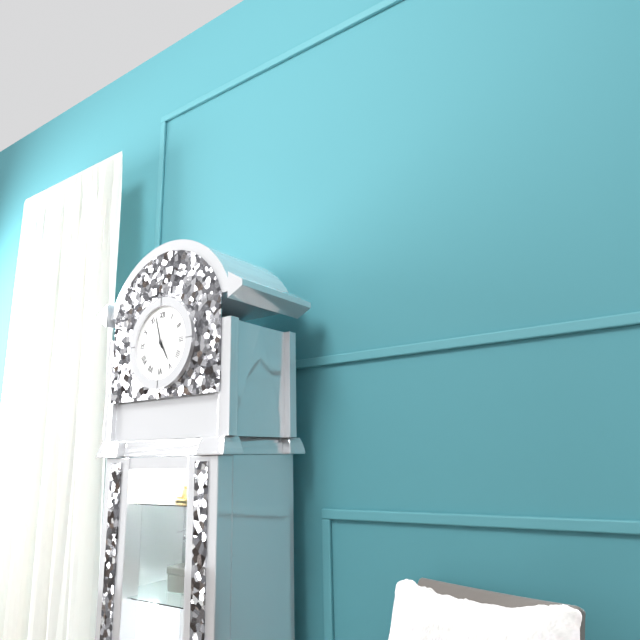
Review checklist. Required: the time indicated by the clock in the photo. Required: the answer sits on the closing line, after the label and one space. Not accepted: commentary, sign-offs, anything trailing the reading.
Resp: 4:57
